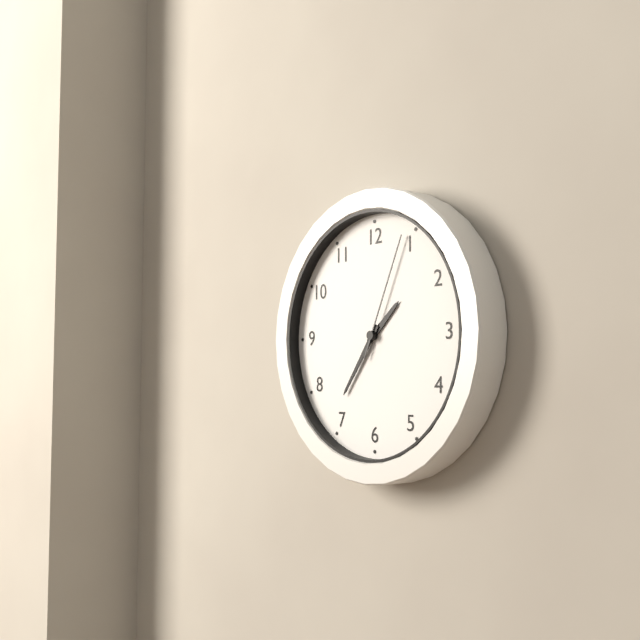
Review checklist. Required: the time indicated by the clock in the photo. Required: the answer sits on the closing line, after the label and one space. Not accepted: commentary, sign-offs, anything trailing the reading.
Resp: 1:36:04
